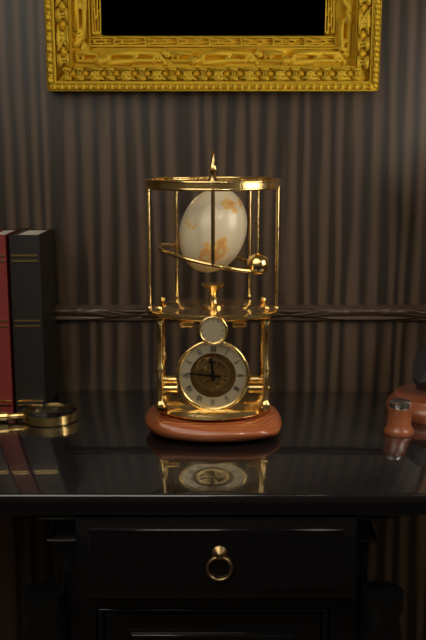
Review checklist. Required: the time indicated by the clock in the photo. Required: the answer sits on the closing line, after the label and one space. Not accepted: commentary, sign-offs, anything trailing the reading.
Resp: 11:46
